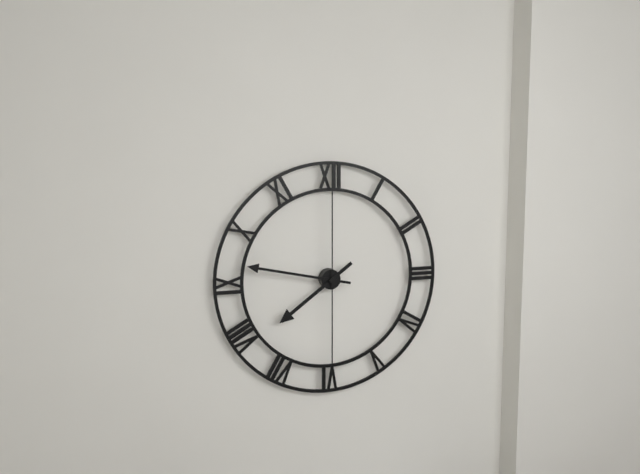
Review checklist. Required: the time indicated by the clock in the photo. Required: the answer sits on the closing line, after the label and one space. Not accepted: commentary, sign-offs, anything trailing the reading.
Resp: 7:47:00
